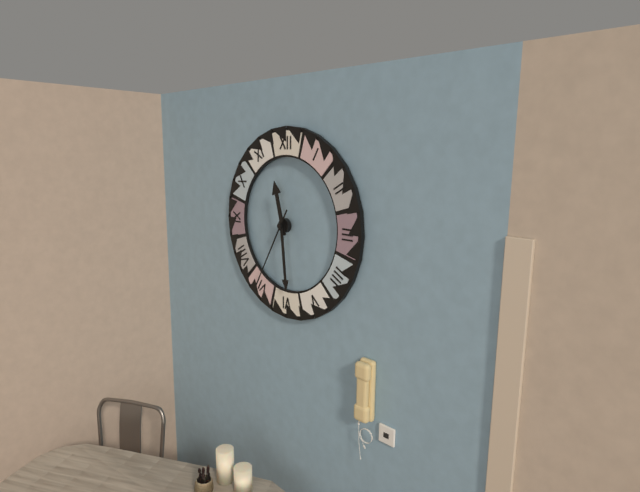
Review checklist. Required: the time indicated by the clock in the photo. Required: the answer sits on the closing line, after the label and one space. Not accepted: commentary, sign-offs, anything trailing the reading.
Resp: 11:29:35
